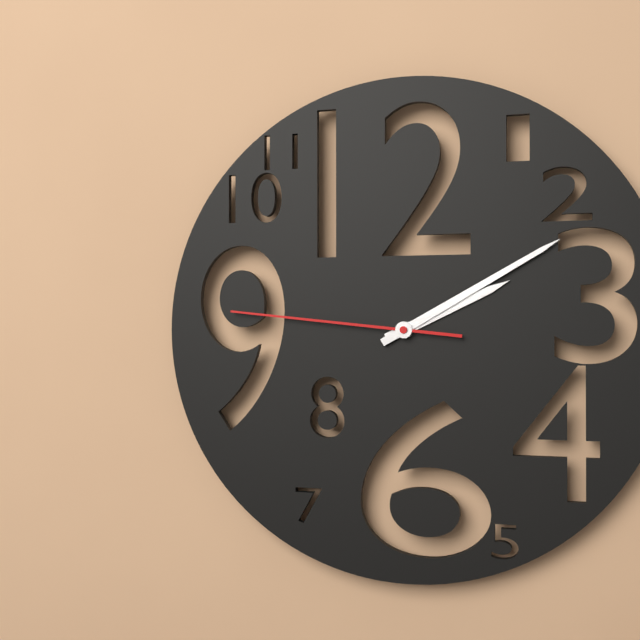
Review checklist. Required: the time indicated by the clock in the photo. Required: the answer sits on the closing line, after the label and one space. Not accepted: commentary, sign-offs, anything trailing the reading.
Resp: 2:10:46
